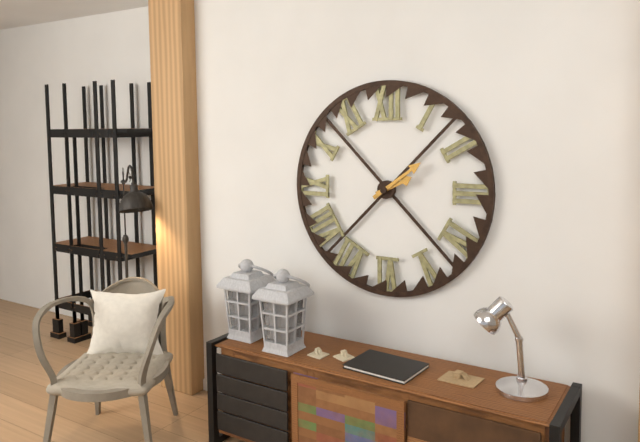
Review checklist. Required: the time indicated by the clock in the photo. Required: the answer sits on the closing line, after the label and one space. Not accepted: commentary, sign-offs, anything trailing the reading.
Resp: 2:09
